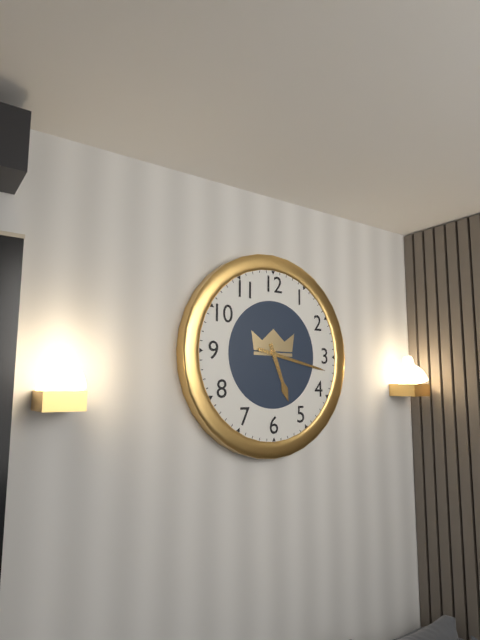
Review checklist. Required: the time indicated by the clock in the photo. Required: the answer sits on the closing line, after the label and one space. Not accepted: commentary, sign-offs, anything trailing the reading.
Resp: 5:17
